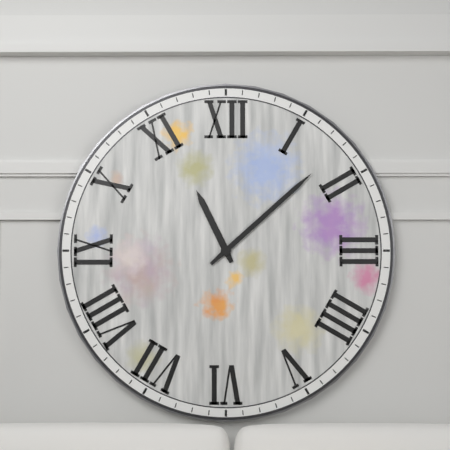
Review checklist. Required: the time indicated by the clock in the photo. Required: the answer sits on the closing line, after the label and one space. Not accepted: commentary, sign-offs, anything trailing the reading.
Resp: 11:08
